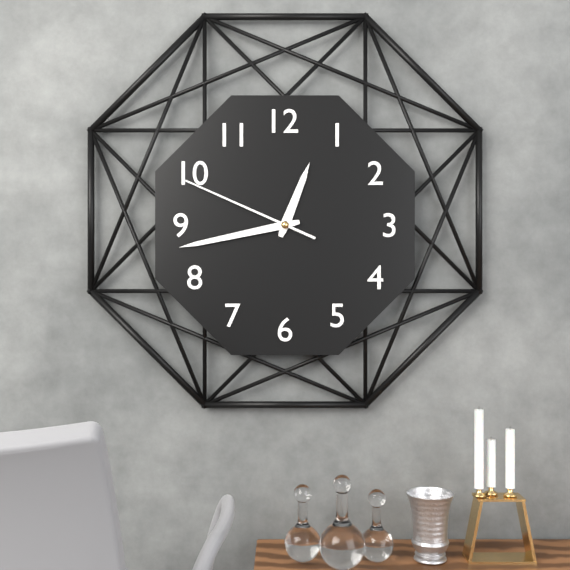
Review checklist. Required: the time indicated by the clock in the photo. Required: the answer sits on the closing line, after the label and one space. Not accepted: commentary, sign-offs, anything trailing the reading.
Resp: 12:43:49
